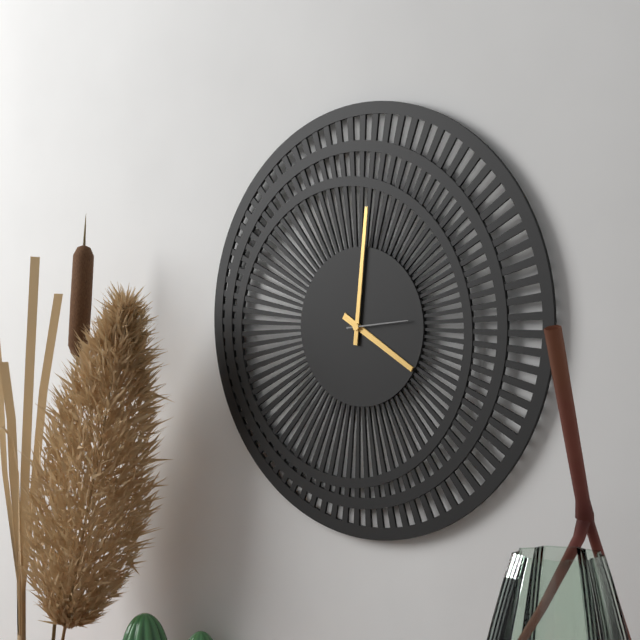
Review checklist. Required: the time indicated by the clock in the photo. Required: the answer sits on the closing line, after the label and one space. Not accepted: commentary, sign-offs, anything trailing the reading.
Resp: 4:01:14
